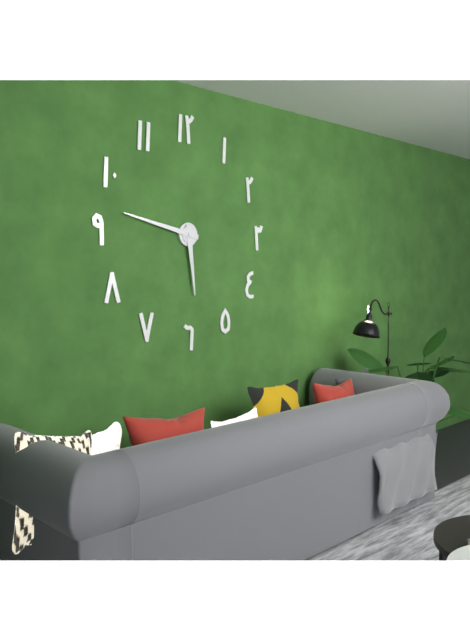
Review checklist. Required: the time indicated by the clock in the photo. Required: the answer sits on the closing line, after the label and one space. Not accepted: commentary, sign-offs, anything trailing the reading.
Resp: 5:47
